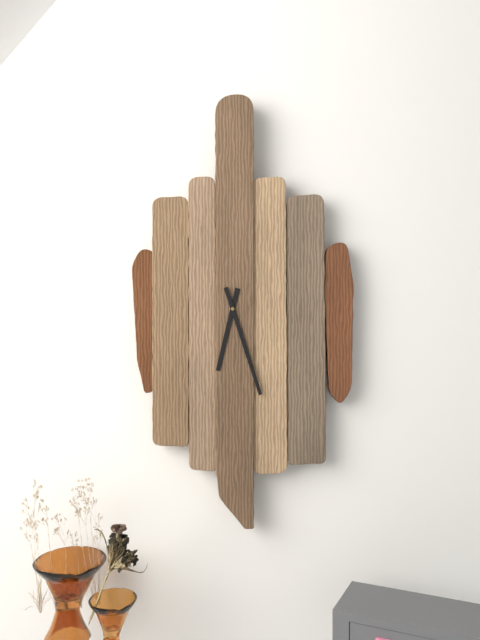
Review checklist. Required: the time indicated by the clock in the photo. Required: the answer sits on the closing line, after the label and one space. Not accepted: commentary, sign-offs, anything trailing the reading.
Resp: 6:27
